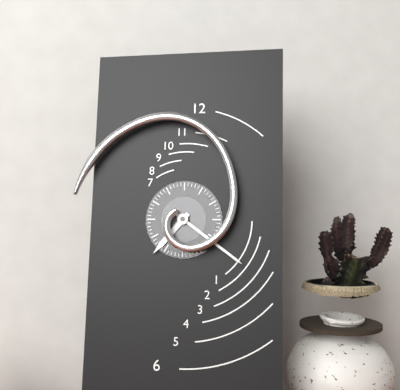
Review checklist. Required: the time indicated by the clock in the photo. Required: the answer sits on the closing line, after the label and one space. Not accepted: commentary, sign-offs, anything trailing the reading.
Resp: 7:21
